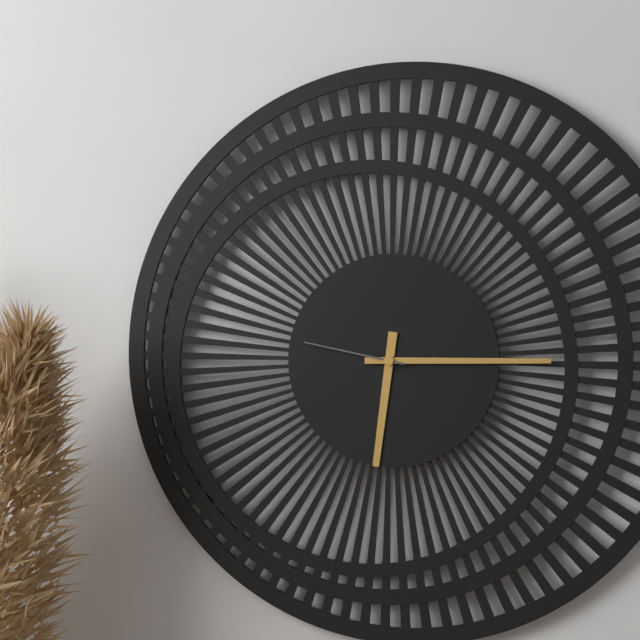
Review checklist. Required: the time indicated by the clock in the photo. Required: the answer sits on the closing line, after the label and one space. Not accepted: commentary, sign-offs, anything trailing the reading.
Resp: 6:15:47
